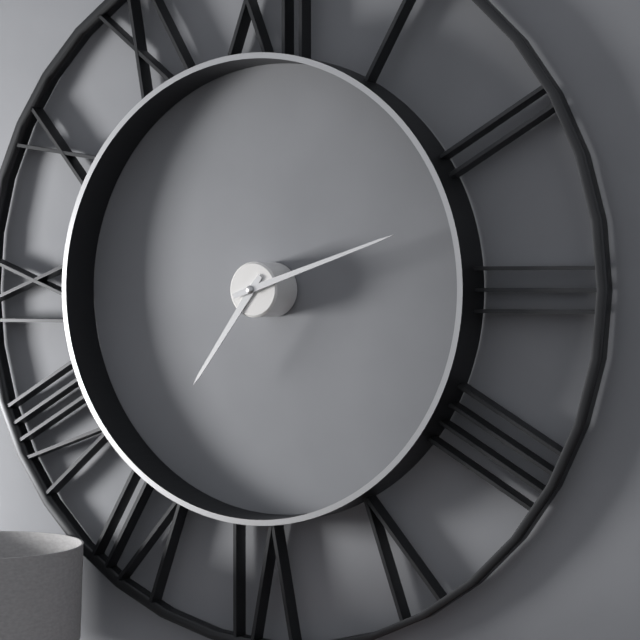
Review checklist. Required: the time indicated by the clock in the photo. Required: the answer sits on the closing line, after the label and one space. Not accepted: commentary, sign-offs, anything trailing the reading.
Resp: 7:12
